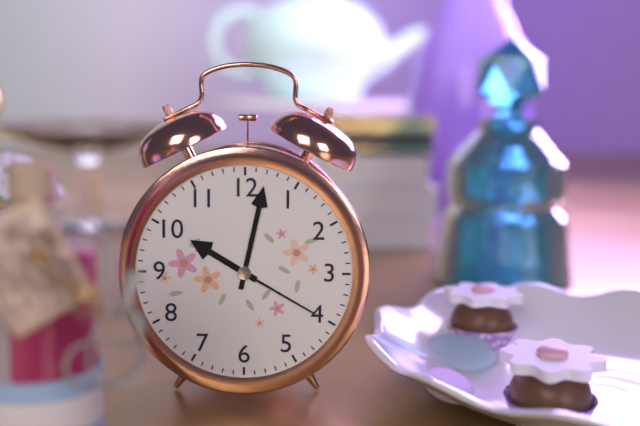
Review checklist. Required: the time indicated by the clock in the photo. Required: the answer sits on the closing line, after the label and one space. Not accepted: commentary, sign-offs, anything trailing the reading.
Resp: 10:02:20
